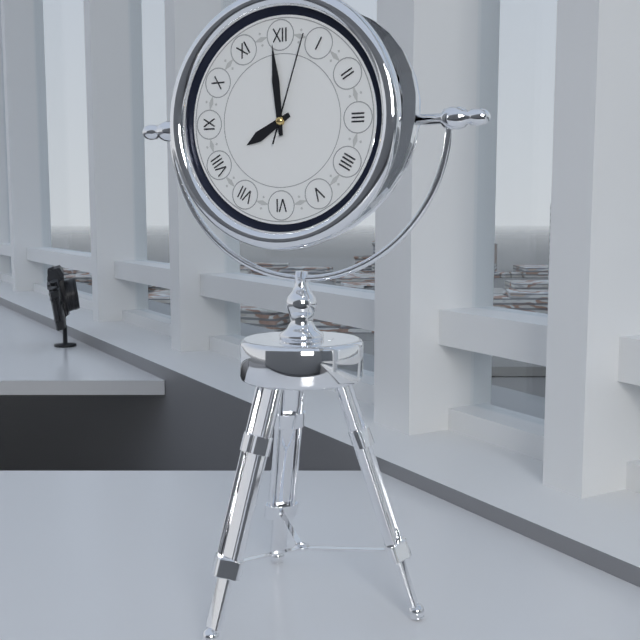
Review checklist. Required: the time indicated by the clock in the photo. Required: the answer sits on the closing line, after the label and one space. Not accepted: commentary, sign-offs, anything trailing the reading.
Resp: 7:59:03
